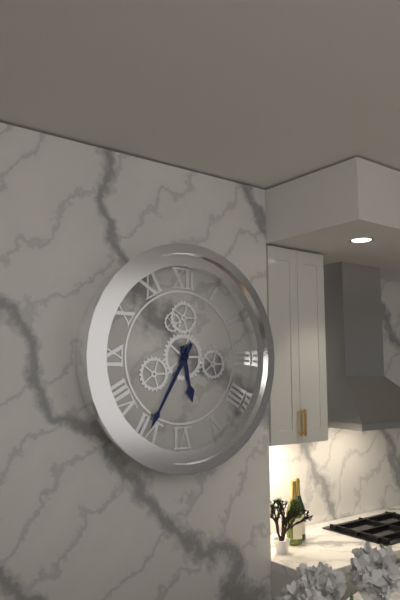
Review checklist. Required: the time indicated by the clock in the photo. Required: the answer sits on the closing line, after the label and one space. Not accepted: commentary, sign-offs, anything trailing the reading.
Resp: 5:35
